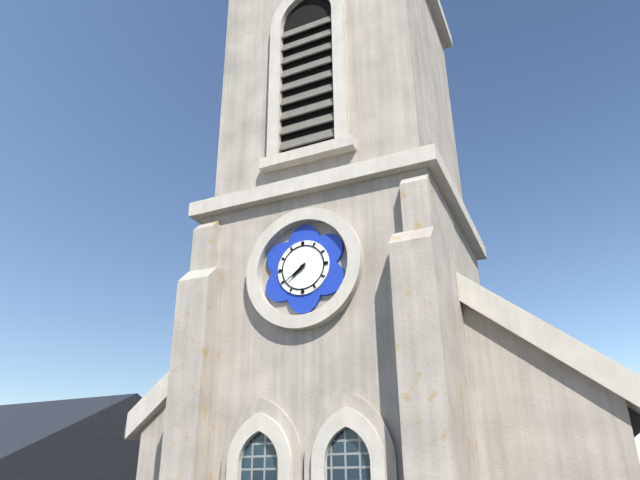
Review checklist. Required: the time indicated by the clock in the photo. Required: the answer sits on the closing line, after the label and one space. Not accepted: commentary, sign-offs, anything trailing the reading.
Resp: 7:39
